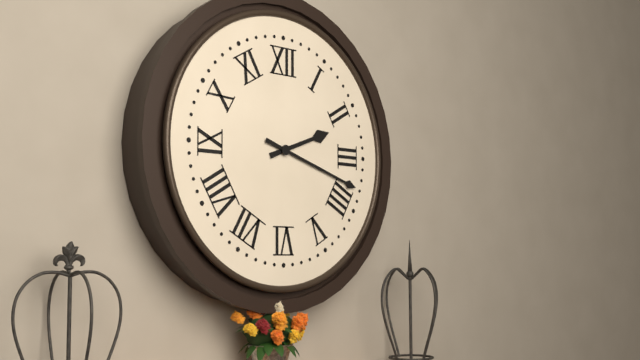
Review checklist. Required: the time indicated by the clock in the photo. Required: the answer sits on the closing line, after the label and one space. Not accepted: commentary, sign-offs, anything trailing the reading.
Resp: 2:18
